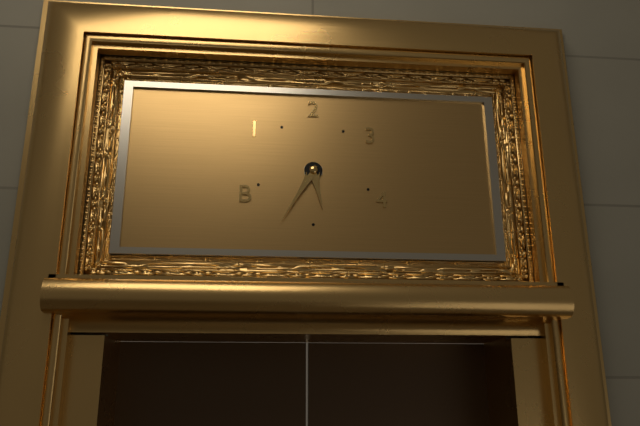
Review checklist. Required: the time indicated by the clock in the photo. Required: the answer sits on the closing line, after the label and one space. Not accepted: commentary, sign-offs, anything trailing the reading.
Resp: 5:35
